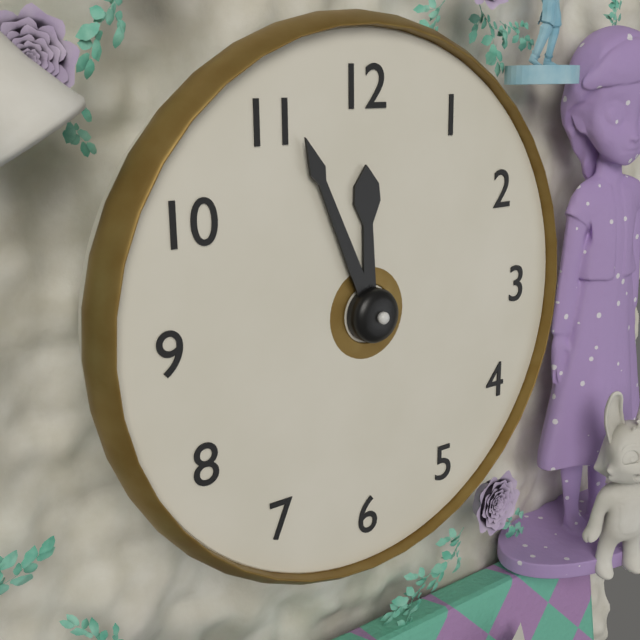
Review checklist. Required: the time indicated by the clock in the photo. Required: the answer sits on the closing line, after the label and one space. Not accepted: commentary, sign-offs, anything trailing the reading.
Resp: 11:56
